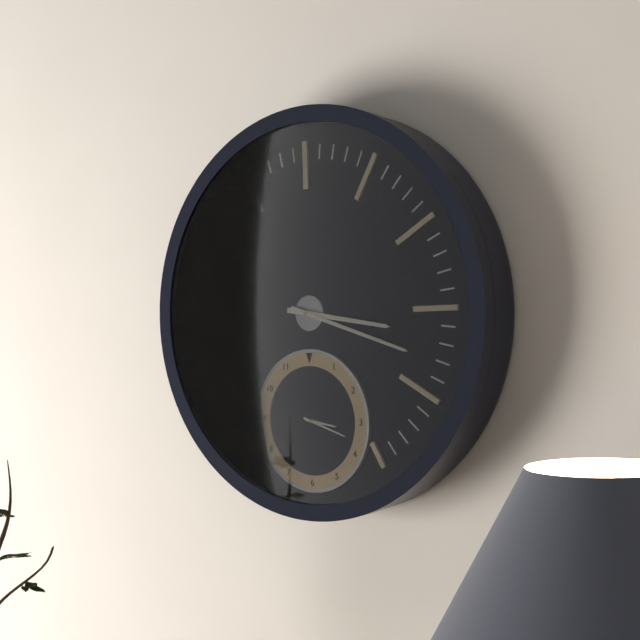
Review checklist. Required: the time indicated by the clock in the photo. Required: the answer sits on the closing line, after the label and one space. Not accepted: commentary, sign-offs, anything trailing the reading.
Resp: 3:18
